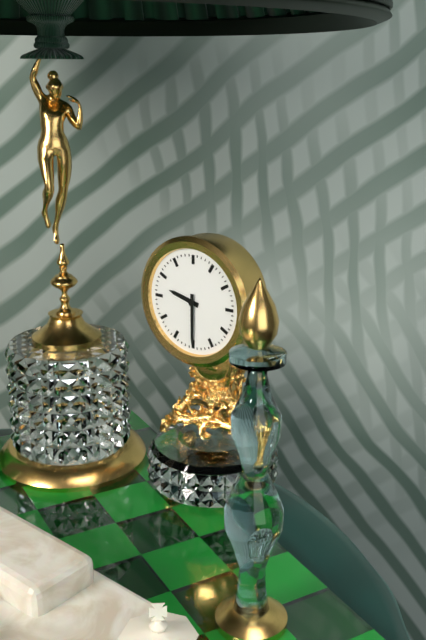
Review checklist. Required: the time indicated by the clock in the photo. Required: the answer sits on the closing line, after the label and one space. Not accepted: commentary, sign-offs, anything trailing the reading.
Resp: 9:30
